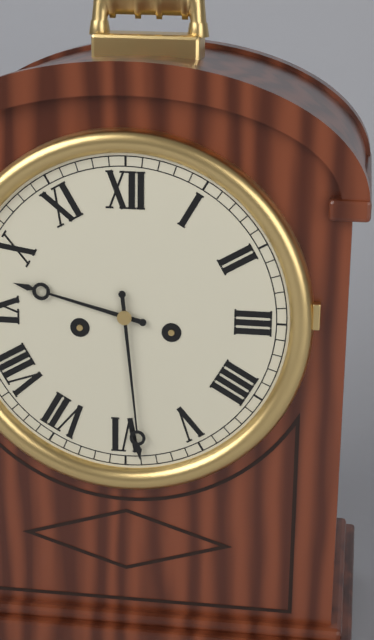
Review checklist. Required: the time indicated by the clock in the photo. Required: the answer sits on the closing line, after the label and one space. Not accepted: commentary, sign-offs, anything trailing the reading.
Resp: 9:29
